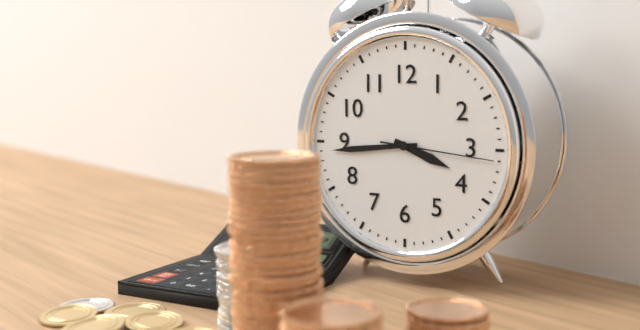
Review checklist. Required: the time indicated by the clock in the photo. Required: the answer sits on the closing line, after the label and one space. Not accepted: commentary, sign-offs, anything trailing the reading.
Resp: 3:44:16
